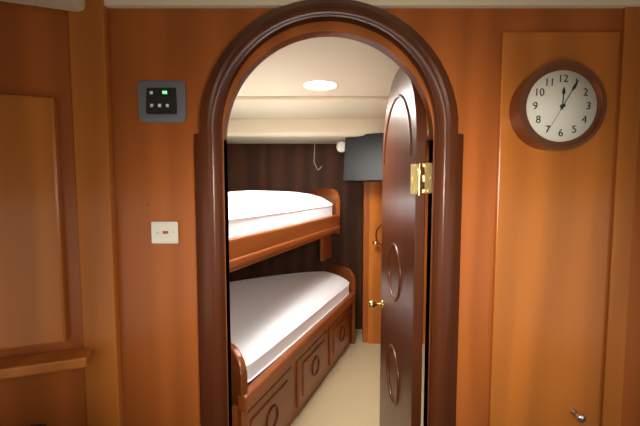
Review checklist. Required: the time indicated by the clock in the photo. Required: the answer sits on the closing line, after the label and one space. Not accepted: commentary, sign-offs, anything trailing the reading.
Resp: 12:05
